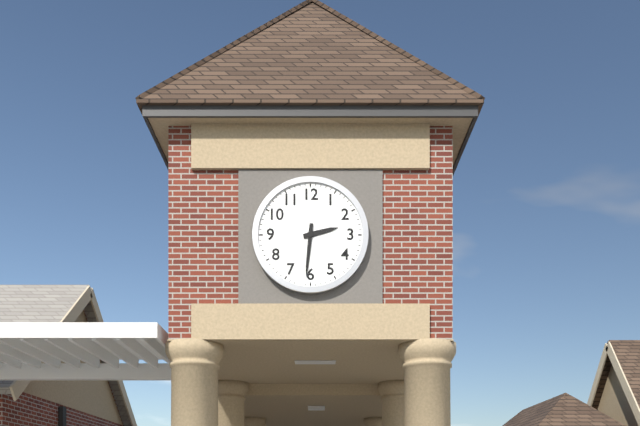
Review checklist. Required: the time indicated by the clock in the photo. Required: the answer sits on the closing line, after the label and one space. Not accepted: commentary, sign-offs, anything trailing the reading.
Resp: 2:31
